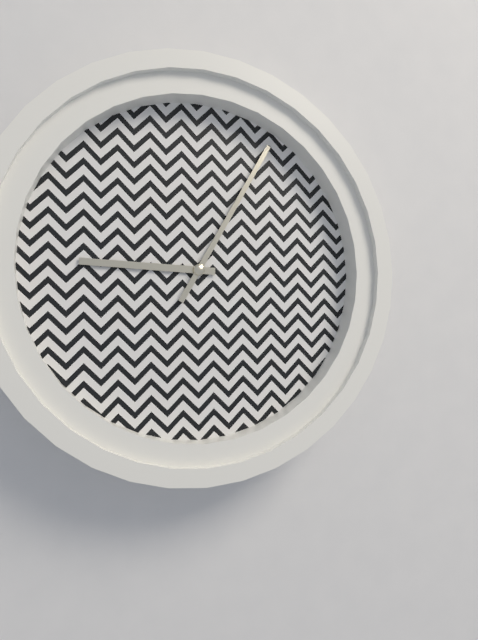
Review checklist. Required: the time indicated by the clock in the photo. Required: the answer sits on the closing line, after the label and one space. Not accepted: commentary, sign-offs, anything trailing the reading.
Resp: 9:05
